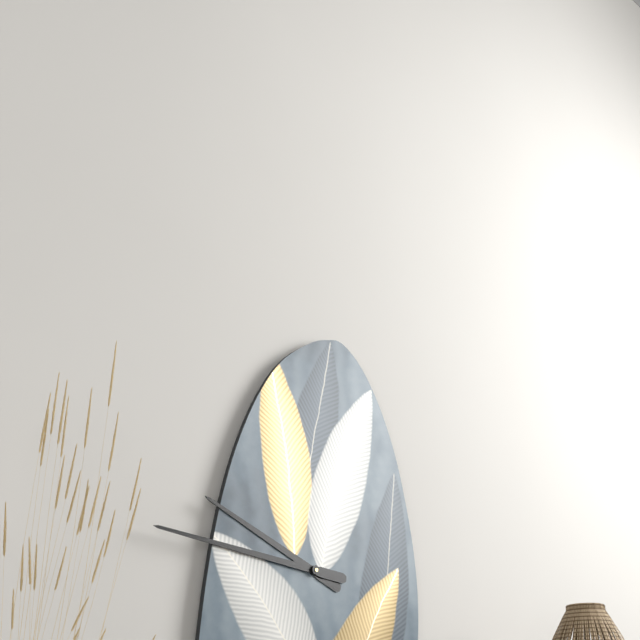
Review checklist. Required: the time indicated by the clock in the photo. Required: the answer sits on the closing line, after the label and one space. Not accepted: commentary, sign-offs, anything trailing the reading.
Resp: 9:46
